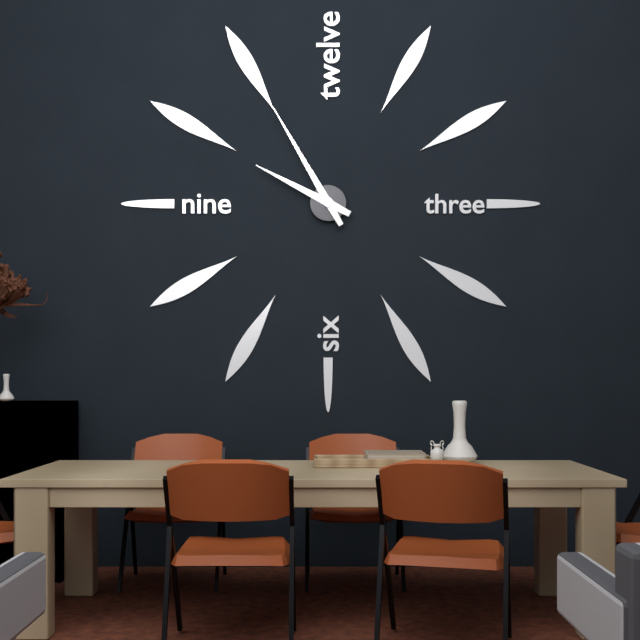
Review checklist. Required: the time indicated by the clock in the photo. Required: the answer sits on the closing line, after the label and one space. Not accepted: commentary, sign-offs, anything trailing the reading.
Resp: 9:55
